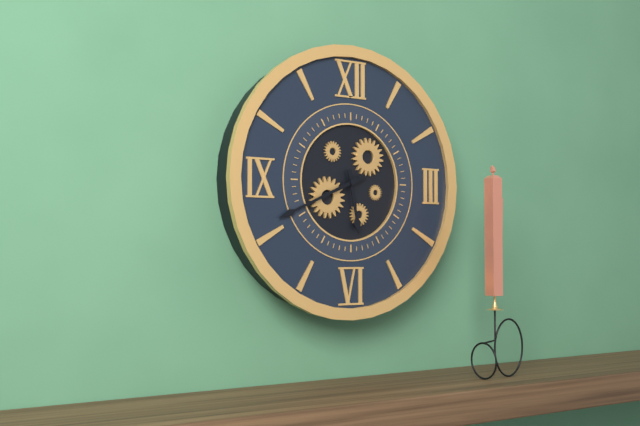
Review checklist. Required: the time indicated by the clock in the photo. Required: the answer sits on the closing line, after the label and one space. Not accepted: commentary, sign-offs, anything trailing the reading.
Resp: 5:41
